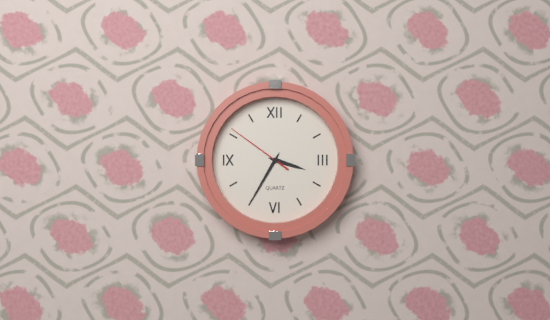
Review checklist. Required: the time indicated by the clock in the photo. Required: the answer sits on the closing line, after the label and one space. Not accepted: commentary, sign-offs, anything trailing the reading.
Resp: 3:35:51
